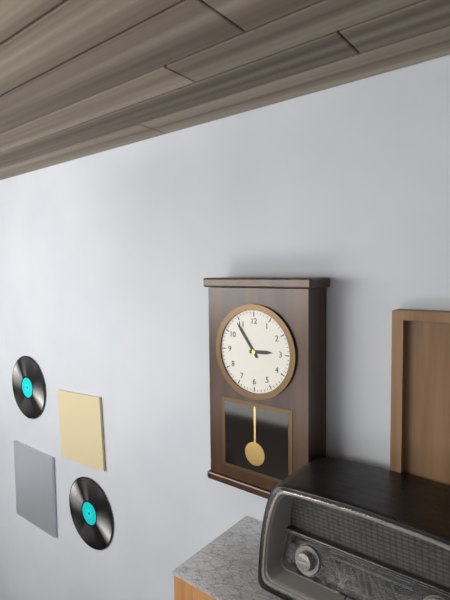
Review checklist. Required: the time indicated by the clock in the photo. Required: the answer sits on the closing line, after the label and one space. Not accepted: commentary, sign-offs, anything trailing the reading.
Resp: 2:54
